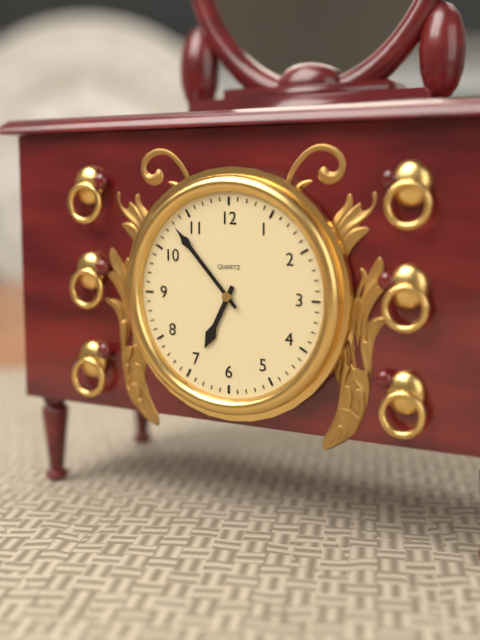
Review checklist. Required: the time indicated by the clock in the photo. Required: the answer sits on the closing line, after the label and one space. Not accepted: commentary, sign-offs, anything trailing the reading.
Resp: 6:53
